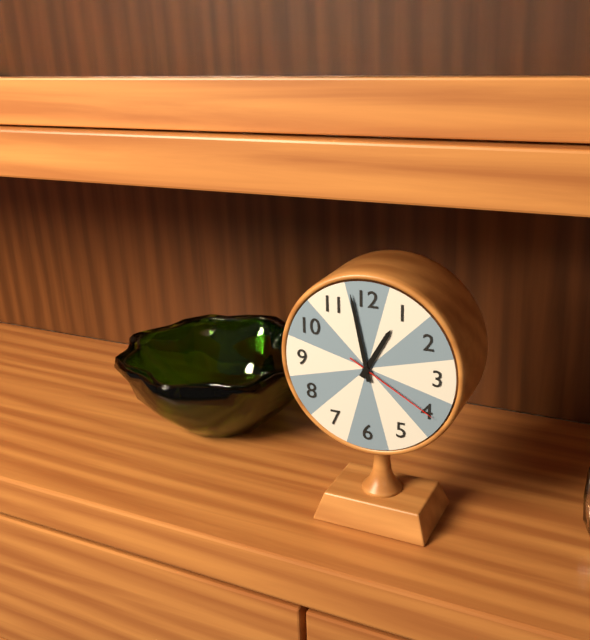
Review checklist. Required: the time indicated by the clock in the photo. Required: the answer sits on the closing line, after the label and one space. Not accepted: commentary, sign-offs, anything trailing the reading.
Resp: 12:58:20
